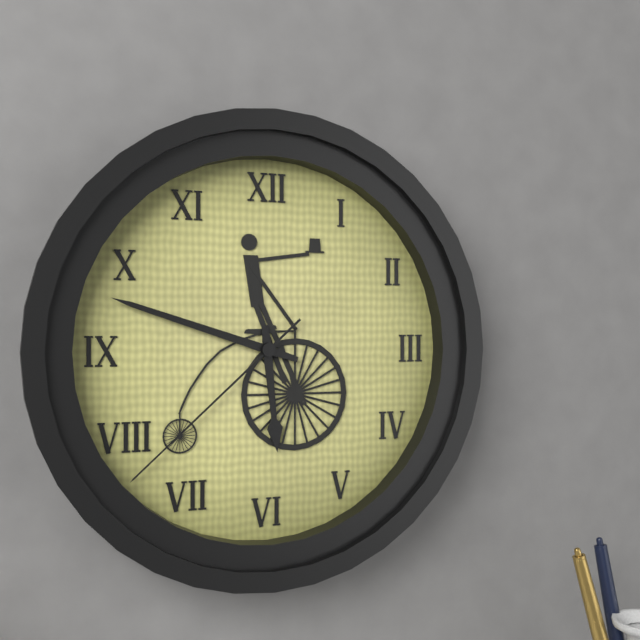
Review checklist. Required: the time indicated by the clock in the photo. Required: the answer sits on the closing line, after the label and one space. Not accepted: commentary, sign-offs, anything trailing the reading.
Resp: 5:48:38
